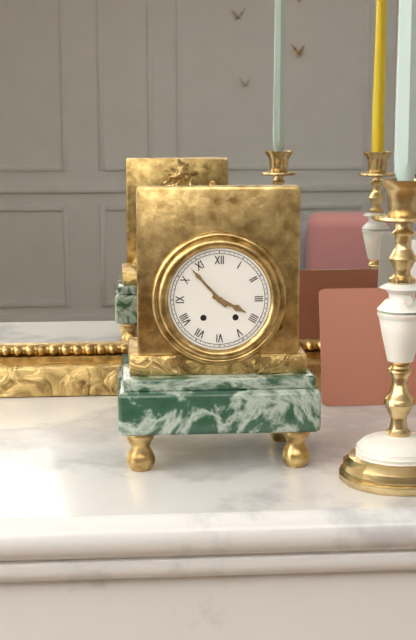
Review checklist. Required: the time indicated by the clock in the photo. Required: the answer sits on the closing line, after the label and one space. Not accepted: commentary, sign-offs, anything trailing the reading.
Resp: 3:53
